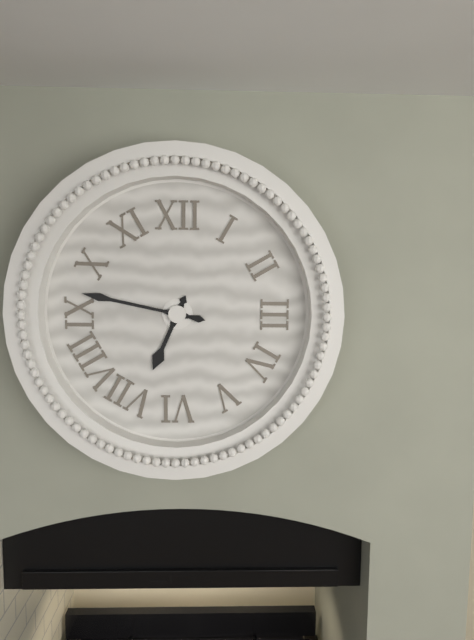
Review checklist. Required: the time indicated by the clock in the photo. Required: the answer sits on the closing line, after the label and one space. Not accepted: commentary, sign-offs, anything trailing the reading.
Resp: 6:47
